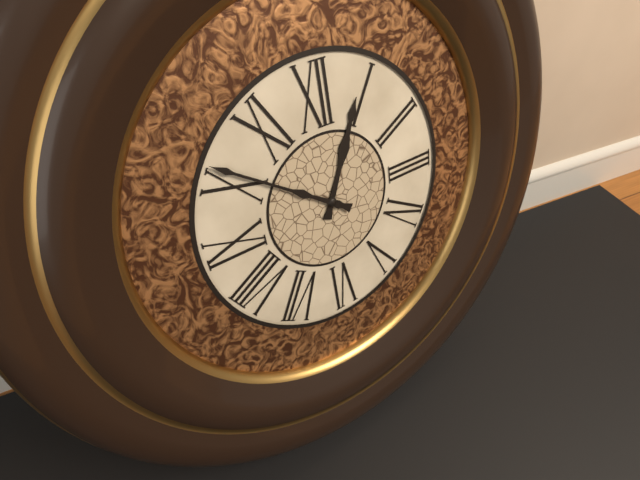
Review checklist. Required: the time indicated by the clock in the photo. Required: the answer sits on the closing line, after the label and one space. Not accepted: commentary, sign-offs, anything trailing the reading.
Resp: 12:51
